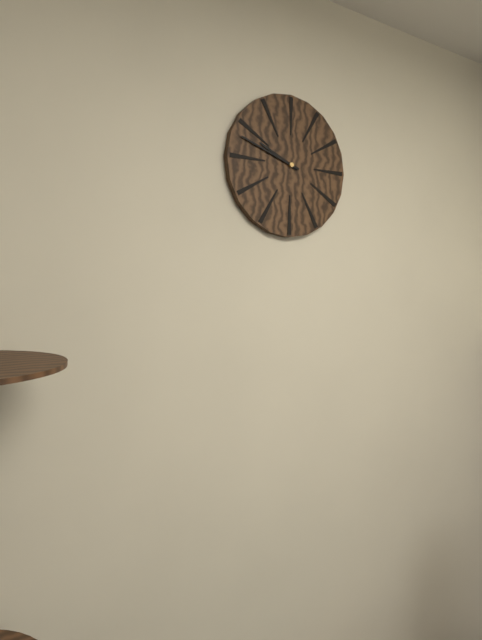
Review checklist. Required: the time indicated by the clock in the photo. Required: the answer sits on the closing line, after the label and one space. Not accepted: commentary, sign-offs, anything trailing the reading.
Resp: 9:48
